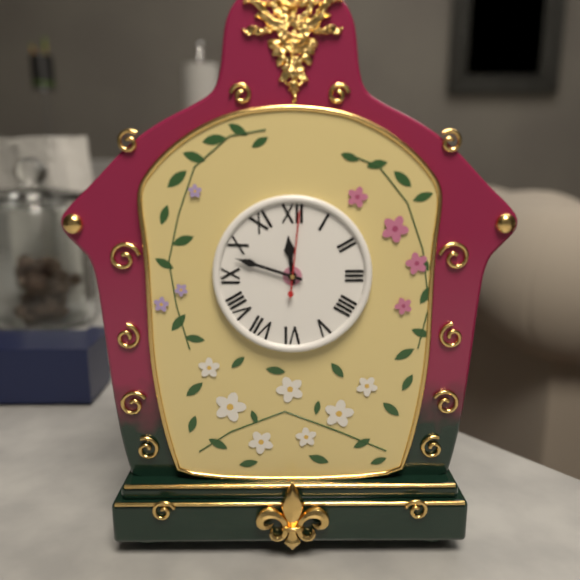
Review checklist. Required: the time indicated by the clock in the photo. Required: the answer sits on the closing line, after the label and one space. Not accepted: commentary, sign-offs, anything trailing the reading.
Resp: 11:48:01
